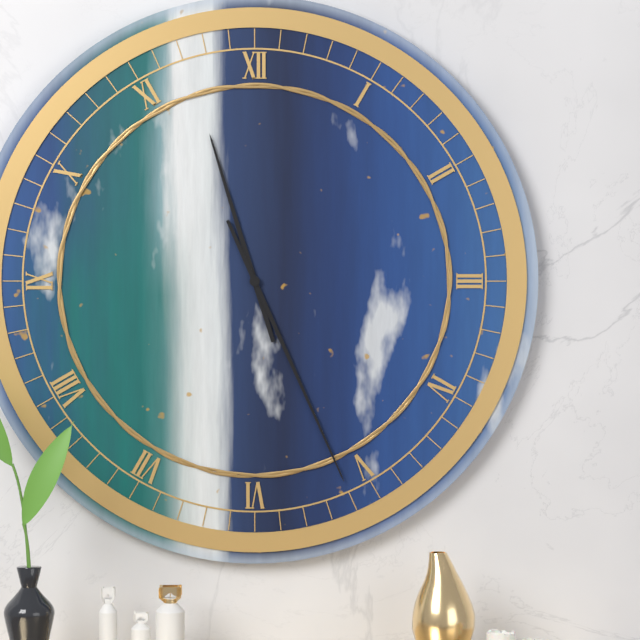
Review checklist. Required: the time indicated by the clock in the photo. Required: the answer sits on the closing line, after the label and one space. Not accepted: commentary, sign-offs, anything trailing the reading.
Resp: 11:26
